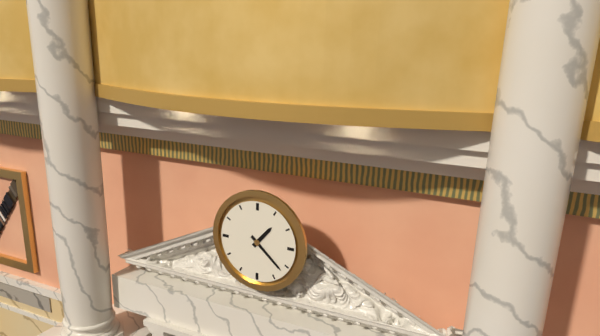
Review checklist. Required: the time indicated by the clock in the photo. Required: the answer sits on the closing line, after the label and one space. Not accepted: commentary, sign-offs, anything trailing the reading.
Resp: 1:22
